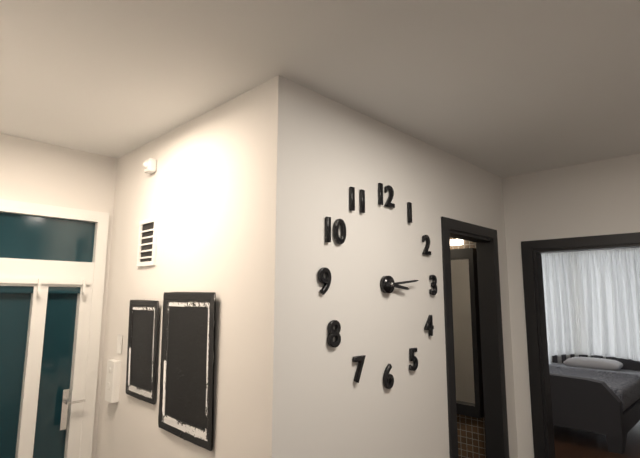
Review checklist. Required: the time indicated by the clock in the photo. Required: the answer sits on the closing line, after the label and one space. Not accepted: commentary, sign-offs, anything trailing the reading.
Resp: 3:14
